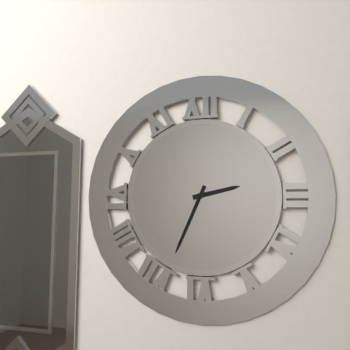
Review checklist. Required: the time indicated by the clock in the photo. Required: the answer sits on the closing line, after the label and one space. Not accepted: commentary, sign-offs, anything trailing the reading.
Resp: 2:34
